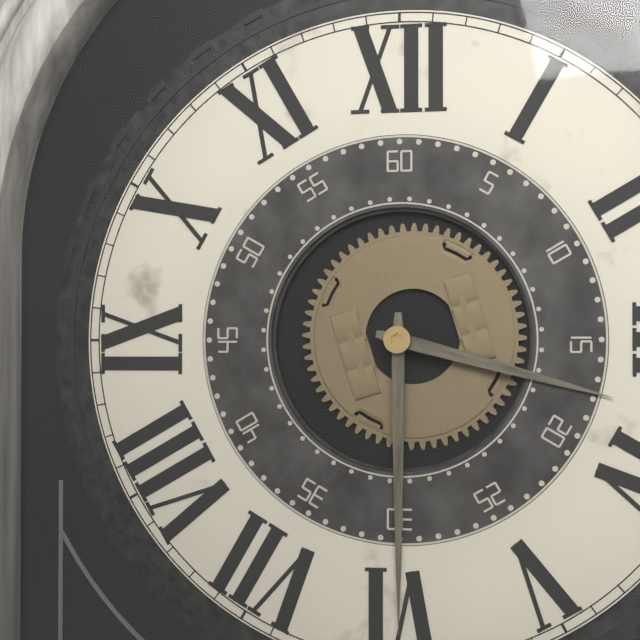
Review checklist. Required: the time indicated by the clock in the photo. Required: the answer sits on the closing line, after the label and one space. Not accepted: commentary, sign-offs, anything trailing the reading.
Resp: 3:30
